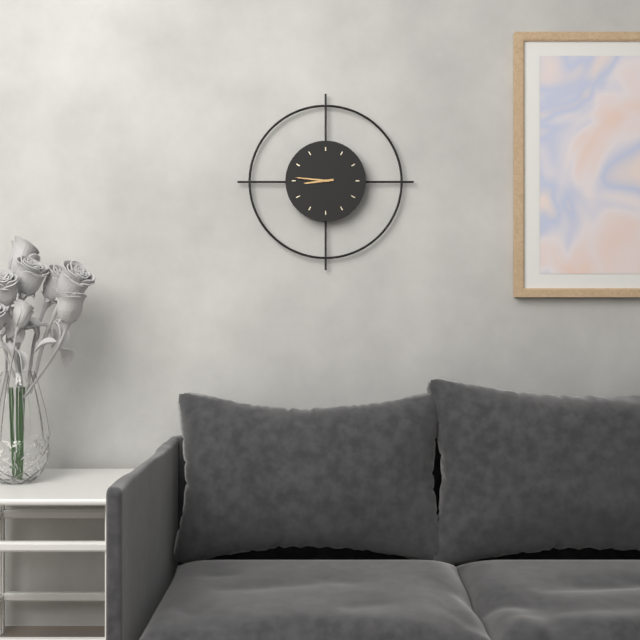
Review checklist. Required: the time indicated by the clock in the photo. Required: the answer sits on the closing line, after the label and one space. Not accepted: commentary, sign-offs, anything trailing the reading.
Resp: 8:46
